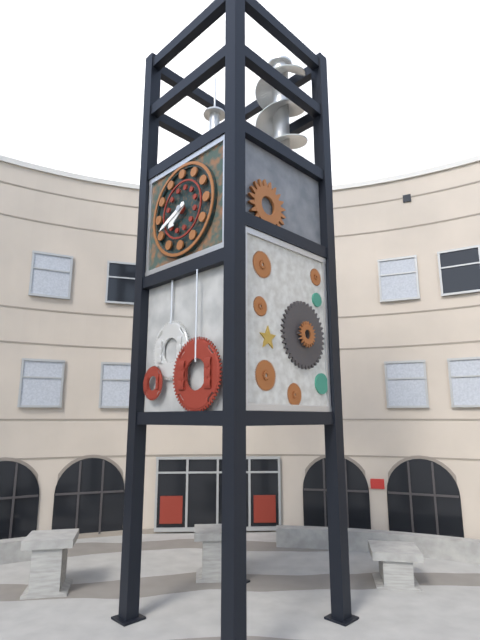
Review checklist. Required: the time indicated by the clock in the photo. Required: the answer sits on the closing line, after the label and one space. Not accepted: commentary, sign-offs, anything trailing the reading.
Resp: 7:41
